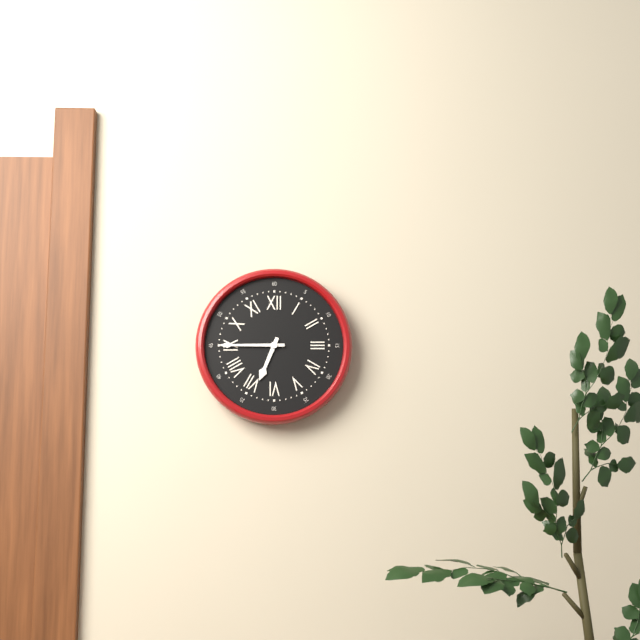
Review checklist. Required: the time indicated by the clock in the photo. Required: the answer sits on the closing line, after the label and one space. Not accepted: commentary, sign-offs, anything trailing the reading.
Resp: 6:45
